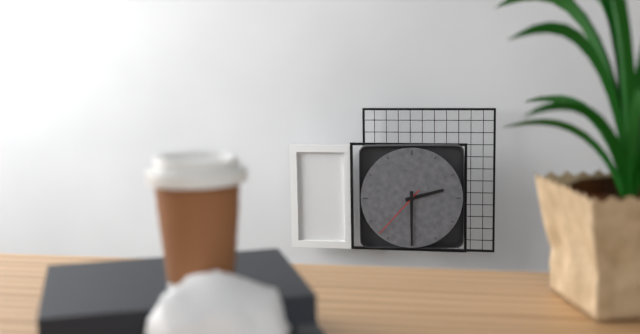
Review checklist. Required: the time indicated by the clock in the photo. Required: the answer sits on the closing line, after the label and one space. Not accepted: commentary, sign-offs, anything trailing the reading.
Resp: 2:30:37
